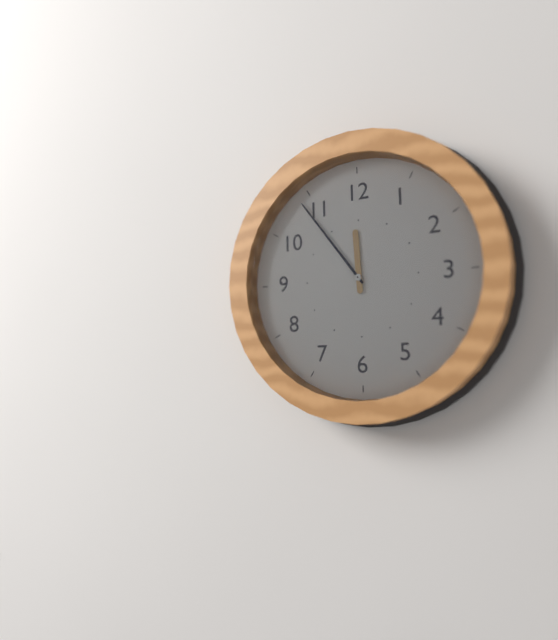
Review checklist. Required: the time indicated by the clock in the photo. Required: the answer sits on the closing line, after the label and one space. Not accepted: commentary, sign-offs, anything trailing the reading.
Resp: 11:54
